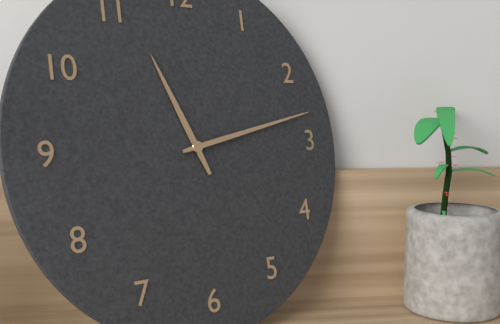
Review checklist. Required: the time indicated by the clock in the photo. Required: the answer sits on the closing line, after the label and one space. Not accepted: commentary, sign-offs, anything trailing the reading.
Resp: 11:13
